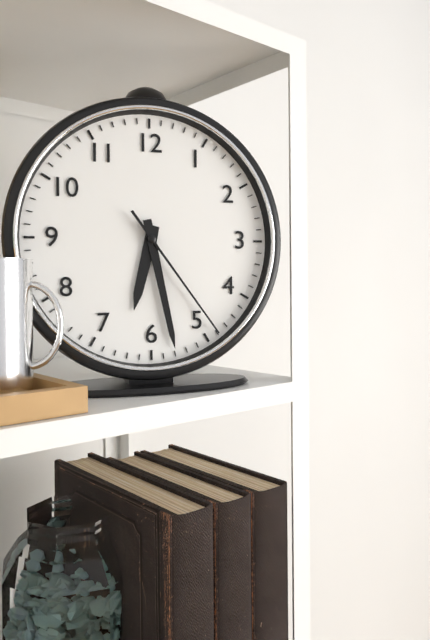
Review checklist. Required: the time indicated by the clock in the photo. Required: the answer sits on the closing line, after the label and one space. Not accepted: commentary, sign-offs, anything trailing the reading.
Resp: 6:28:24
